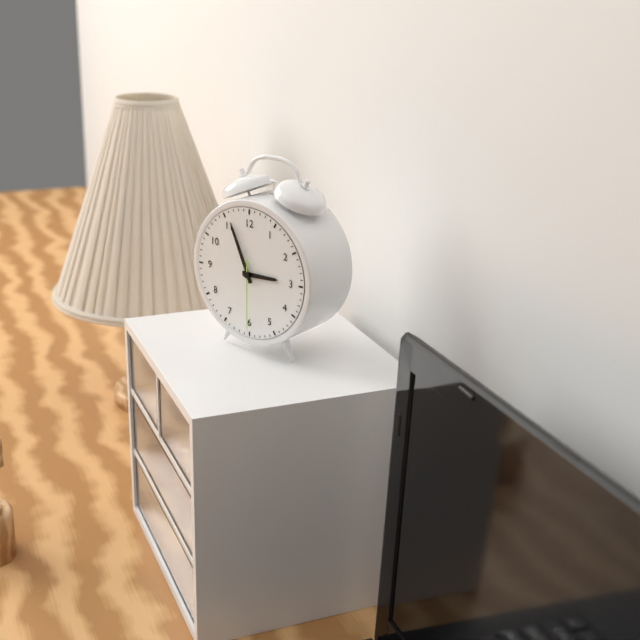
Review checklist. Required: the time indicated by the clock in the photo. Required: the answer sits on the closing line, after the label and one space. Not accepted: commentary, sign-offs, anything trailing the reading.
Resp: 2:56:30
